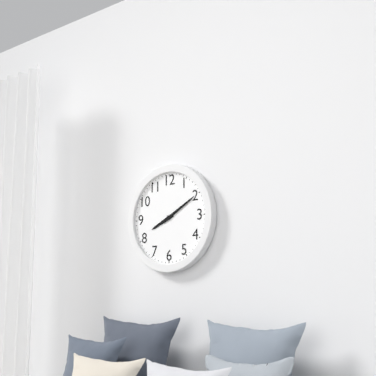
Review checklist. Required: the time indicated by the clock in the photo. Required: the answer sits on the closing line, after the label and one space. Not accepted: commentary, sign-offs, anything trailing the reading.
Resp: 8:10
